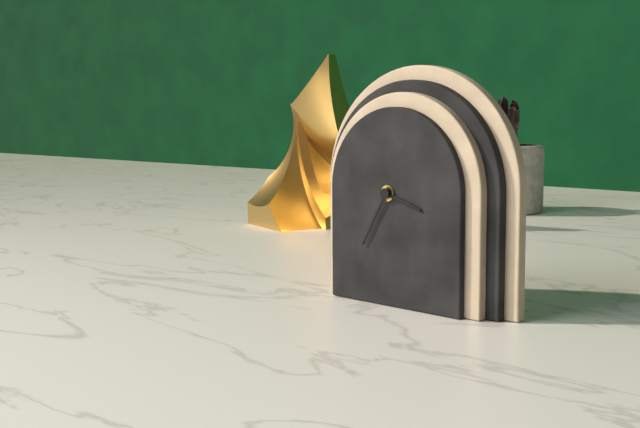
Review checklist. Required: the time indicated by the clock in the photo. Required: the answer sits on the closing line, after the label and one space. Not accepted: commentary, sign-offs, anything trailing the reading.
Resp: 3:35
